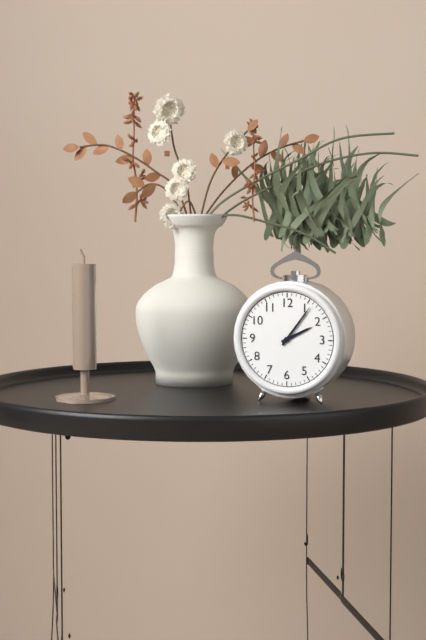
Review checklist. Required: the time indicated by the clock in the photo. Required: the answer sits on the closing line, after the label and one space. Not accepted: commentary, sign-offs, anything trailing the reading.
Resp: 2:06
